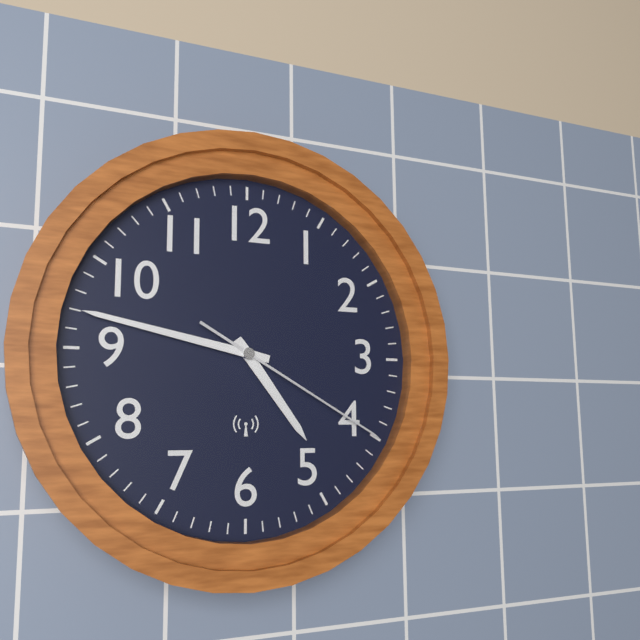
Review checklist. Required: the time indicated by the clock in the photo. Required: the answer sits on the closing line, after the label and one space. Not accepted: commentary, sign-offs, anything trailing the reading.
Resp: 4:47:20
